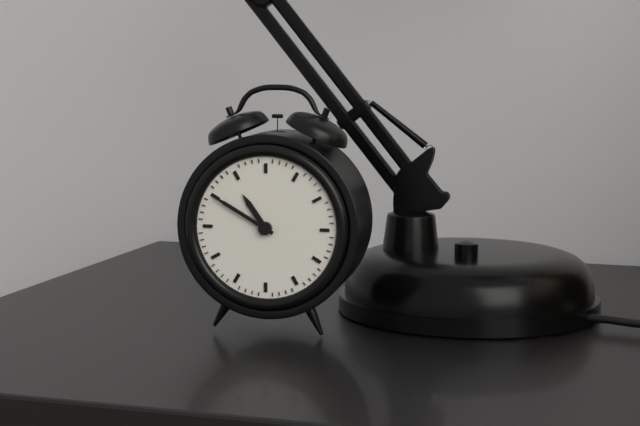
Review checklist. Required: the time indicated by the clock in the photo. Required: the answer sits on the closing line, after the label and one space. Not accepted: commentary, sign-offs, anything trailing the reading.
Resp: 10:50
